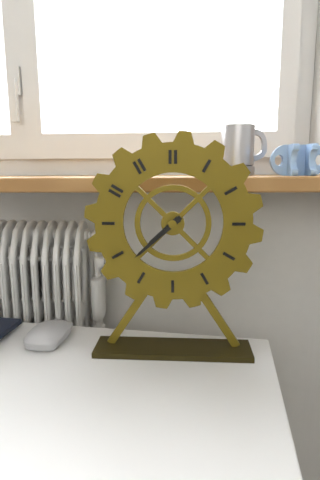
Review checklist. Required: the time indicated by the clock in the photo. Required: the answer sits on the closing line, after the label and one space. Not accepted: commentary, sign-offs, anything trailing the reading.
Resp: 7:38
